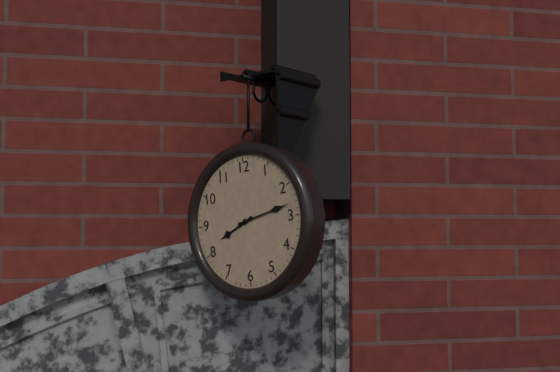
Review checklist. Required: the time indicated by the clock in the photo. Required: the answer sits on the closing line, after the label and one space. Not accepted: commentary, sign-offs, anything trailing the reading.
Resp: 8:13
